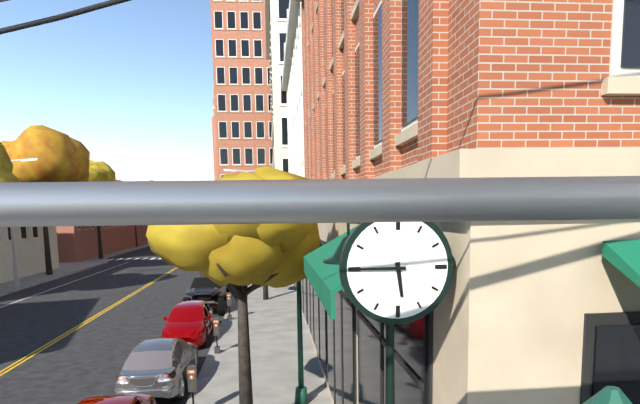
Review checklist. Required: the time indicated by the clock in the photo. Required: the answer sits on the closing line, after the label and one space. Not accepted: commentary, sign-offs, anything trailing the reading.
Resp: 5:45
